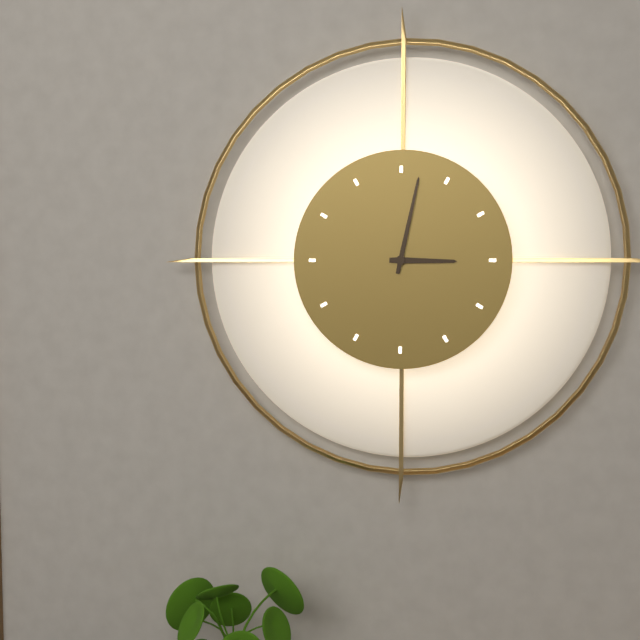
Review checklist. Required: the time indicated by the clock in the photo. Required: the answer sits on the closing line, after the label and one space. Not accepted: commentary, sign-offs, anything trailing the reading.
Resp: 3:02
